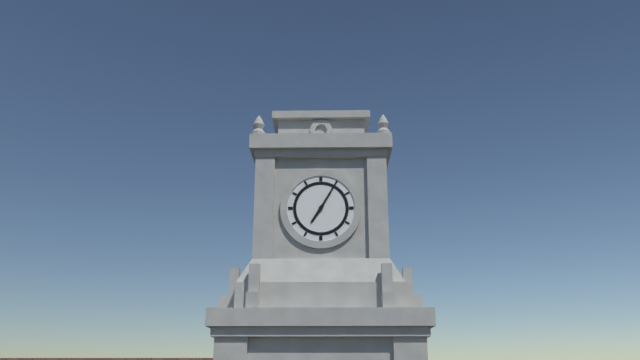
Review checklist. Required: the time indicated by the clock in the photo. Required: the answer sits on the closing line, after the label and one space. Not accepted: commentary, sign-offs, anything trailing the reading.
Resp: 7:05
